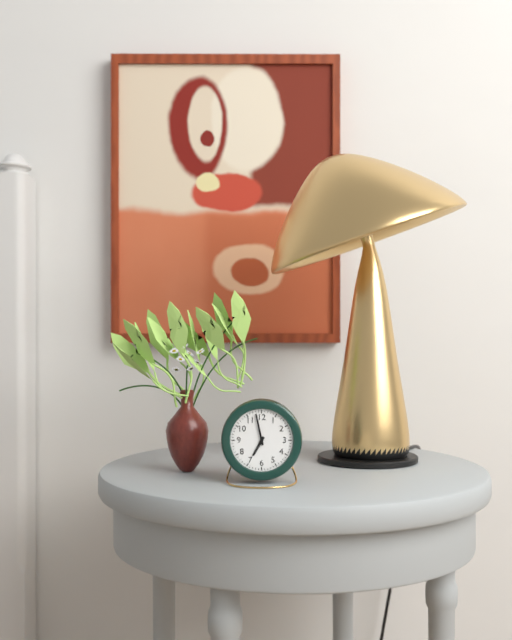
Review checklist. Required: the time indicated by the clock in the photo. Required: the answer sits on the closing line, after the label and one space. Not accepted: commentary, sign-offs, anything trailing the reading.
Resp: 6:58
